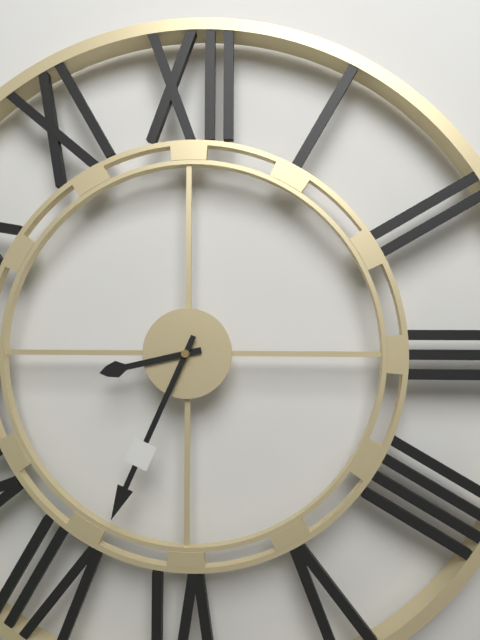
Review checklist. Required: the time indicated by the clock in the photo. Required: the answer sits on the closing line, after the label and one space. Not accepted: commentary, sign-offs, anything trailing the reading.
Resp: 8:34
